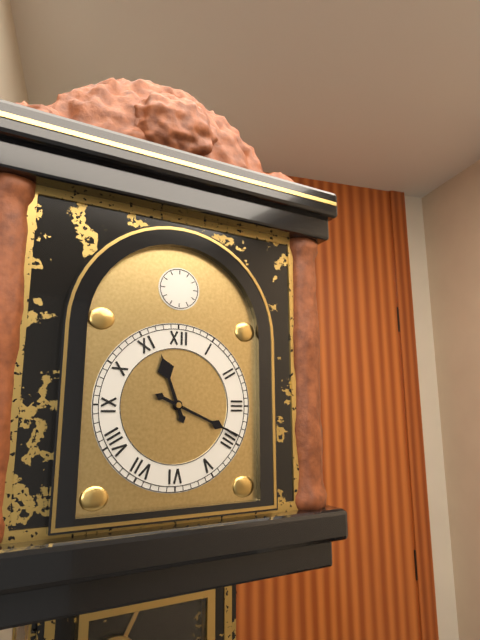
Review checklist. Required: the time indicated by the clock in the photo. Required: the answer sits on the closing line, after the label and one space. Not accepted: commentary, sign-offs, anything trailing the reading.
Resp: 11:19
